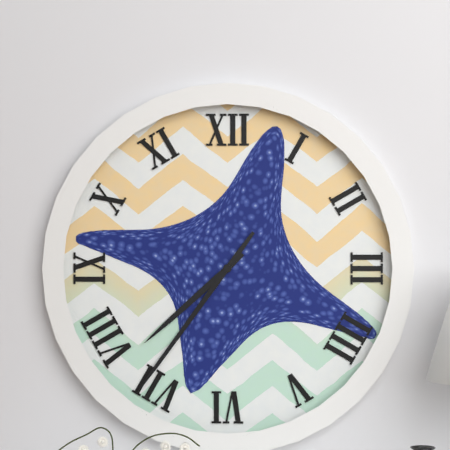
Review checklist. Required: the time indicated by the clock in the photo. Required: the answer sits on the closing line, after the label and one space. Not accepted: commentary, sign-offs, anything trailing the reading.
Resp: 7:36
